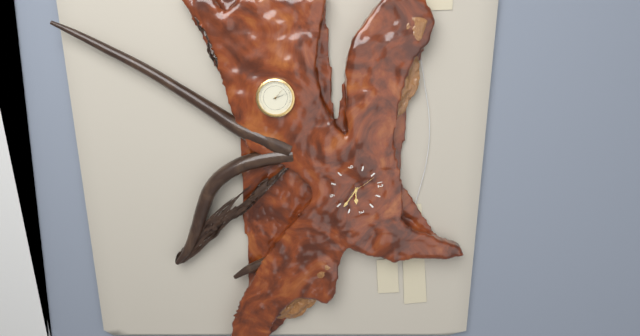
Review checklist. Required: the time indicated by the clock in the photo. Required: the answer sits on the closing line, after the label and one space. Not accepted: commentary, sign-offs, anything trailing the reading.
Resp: 3:23
